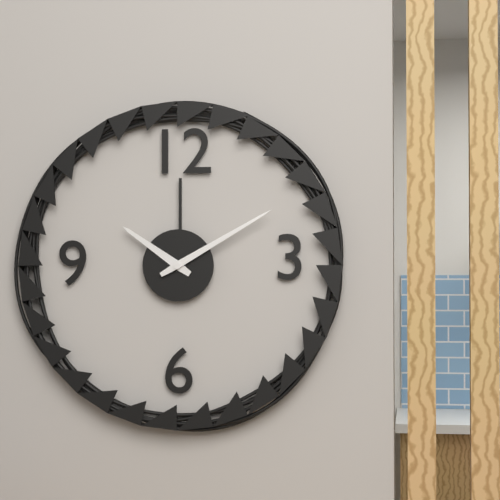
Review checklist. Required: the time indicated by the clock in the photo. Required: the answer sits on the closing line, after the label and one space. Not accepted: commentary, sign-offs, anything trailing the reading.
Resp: 10:10
